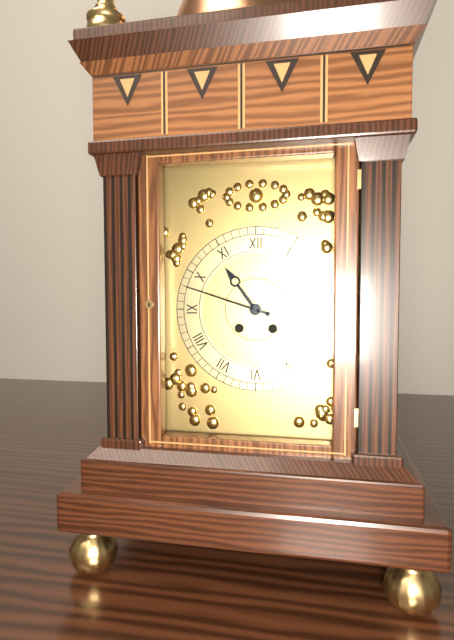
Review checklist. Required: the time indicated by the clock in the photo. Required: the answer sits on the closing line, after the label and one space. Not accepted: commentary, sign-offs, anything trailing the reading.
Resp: 10:48
